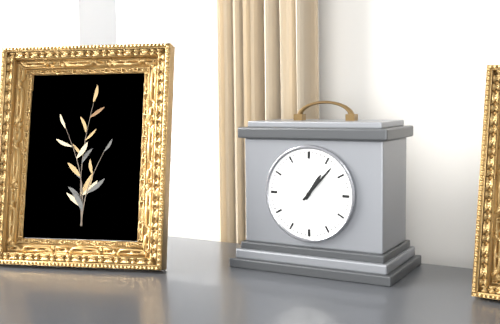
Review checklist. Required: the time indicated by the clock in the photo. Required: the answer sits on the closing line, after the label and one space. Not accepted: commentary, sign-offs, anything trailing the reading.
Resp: 1:07
